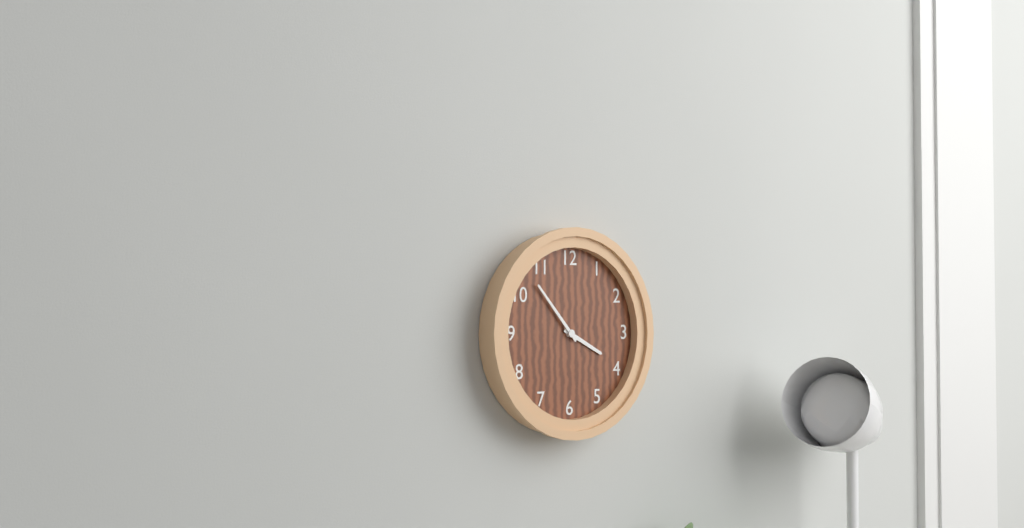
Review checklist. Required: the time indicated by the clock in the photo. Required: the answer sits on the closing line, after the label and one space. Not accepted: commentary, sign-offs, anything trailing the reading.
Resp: 3:53
